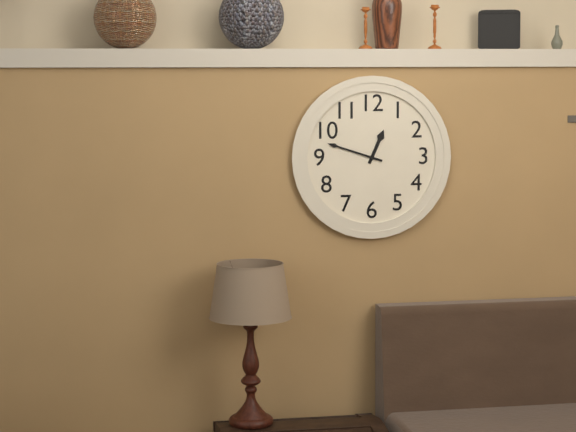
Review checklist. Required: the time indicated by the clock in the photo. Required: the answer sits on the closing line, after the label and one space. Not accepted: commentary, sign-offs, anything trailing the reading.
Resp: 12:48
